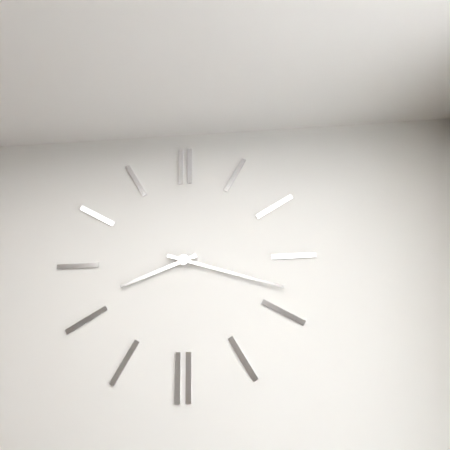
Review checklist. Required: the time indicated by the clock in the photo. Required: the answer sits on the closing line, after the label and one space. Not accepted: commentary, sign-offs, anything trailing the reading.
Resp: 8:18
